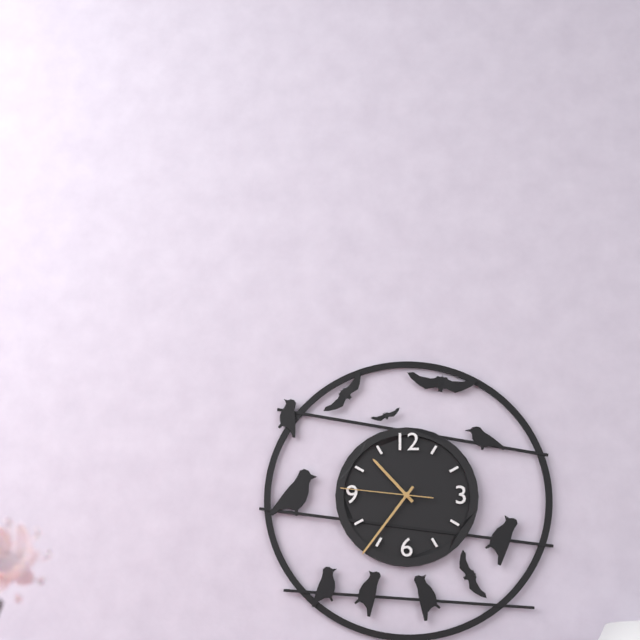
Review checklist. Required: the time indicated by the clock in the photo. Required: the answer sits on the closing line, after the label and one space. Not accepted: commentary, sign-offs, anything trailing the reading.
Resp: 10:36:46
